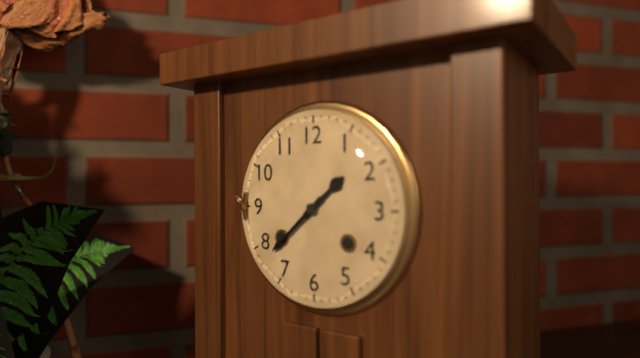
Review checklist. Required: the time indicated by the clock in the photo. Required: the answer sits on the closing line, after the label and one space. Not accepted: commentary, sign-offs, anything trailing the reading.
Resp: 1:38
